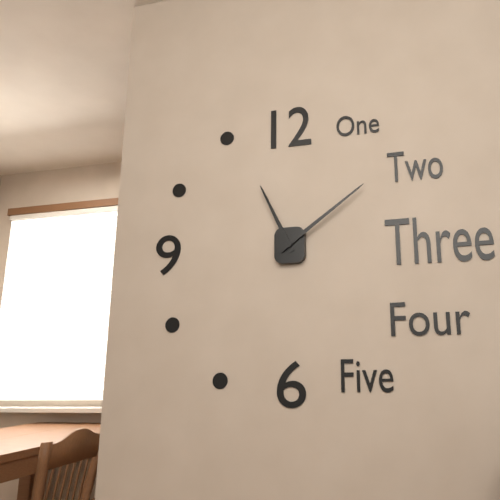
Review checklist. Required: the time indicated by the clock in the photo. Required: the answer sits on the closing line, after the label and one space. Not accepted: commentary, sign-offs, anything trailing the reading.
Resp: 11:09
